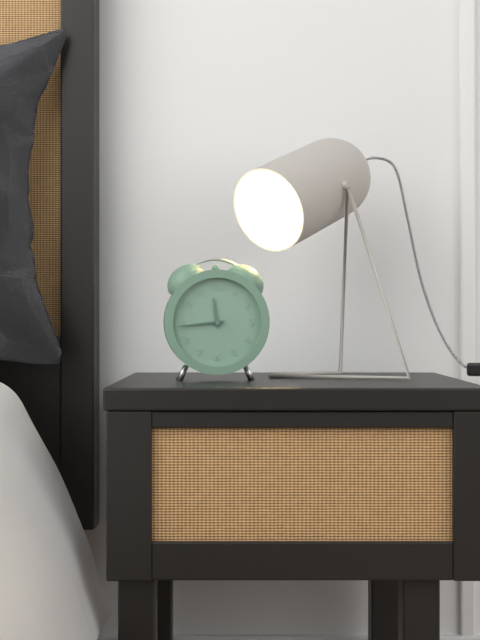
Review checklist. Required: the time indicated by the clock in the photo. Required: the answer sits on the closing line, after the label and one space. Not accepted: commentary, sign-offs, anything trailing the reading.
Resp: 11:44
